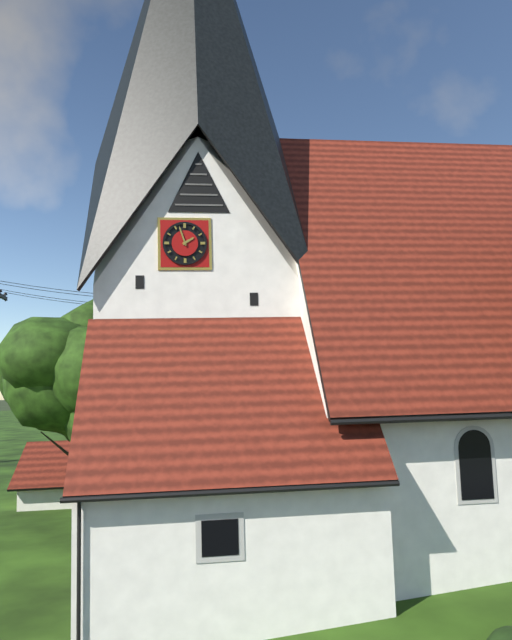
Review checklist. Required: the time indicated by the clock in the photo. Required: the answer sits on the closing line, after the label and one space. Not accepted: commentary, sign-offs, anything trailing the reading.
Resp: 1:57
